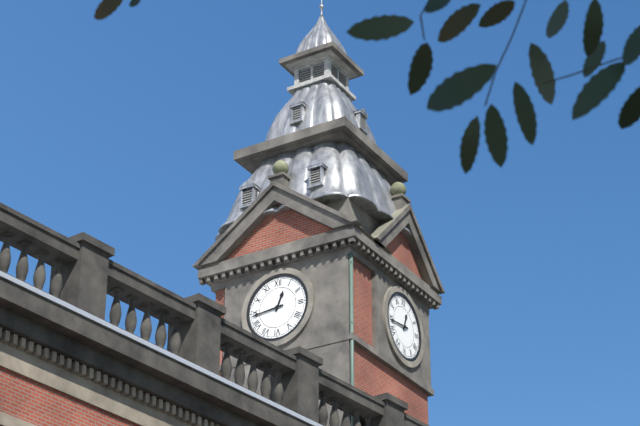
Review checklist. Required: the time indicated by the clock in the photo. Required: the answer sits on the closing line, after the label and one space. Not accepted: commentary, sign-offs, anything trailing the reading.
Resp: 12:44
